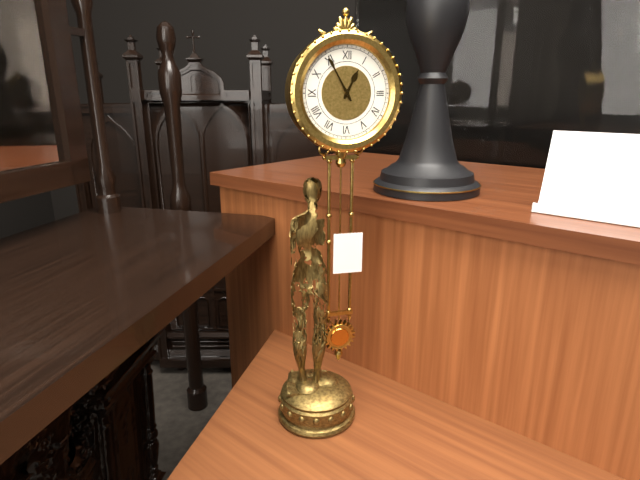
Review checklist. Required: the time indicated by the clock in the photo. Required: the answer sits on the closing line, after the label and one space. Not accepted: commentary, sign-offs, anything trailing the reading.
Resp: 12:55
